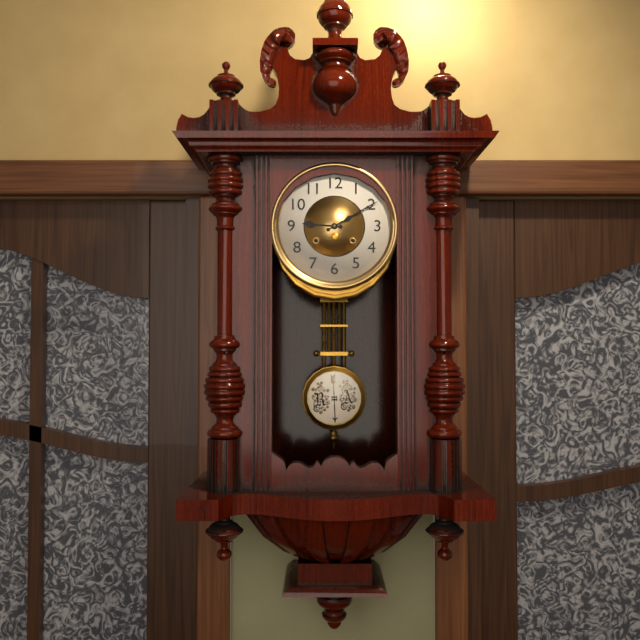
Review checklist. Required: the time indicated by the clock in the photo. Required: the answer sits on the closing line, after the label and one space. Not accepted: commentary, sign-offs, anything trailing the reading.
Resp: 9:10
